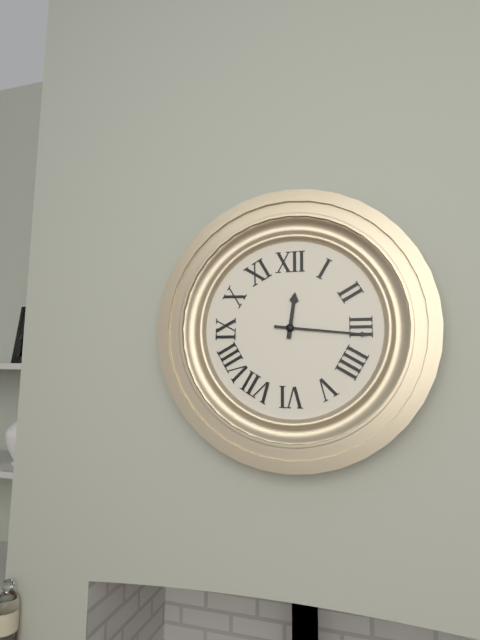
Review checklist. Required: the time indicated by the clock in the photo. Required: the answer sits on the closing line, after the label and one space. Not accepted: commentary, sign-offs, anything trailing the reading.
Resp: 12:16
